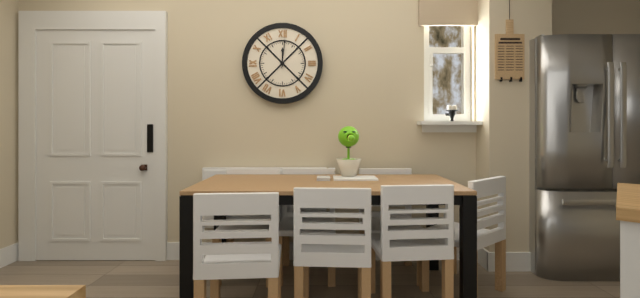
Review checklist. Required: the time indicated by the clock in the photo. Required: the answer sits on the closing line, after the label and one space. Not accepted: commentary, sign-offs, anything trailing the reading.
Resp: 12:01
